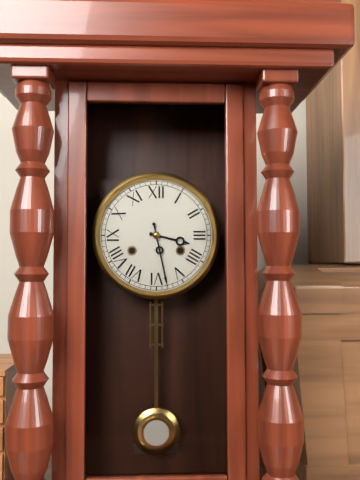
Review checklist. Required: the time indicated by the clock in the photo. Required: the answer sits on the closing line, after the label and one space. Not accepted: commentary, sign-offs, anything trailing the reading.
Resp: 3:28
